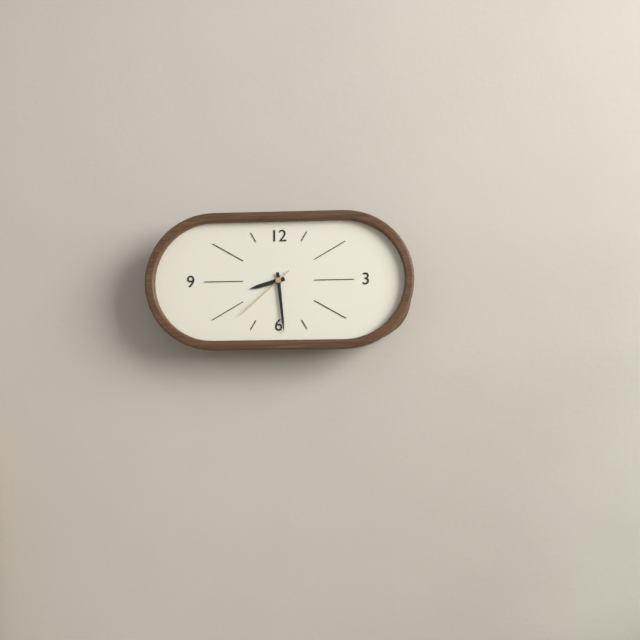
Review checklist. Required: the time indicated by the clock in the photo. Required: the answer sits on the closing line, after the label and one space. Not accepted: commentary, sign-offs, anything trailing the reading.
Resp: 8:29:38
